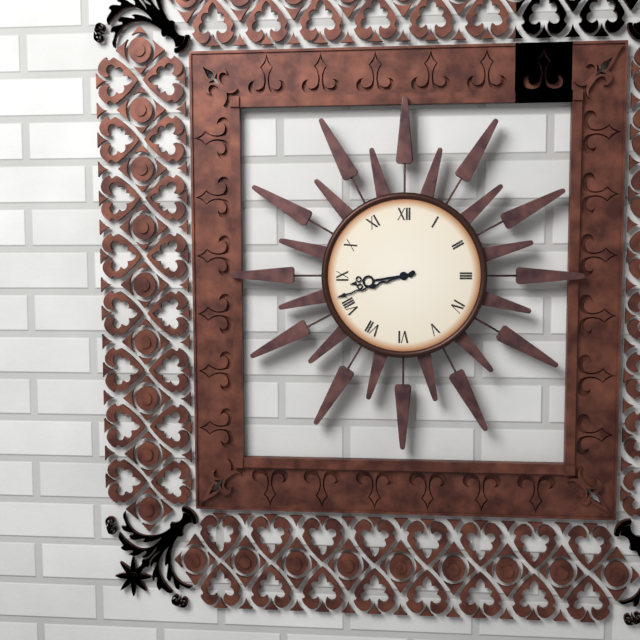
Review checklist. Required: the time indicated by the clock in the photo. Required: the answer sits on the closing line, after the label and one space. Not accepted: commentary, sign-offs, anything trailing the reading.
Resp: 8:42
